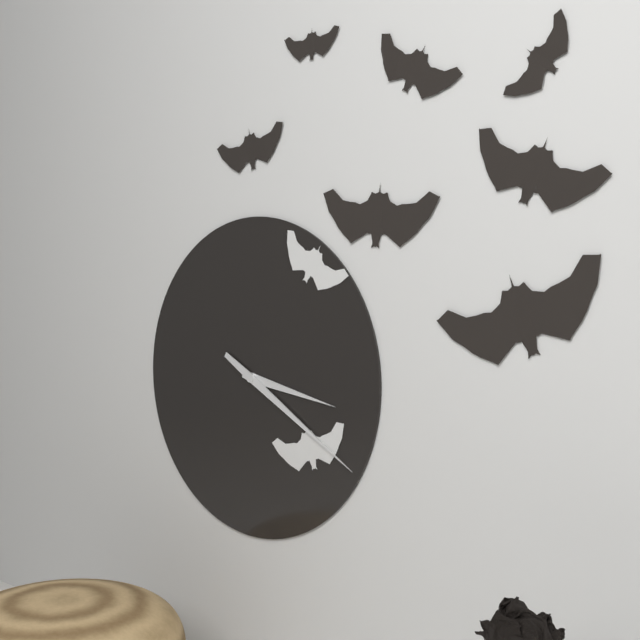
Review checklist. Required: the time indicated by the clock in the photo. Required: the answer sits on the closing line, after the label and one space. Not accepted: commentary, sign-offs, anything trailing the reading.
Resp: 3:20
